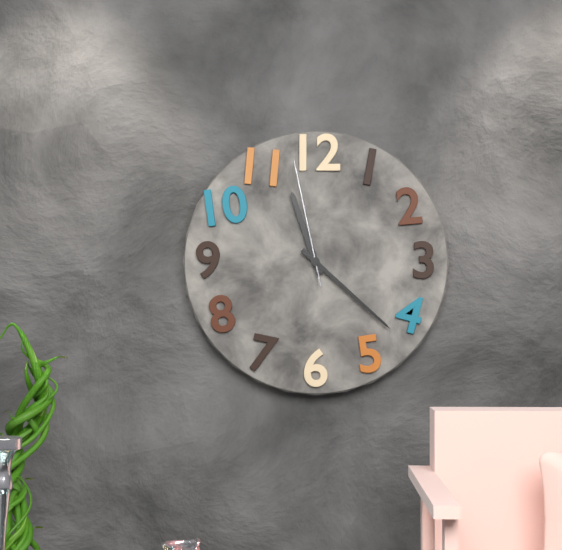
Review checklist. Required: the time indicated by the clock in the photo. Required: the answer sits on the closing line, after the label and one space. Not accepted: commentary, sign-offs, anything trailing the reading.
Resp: 11:22:58
